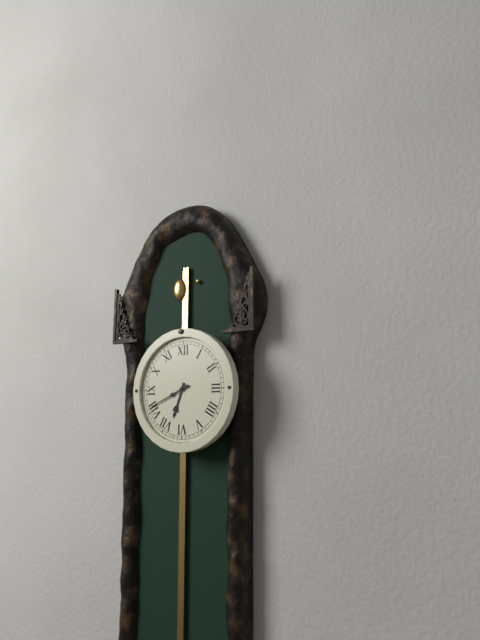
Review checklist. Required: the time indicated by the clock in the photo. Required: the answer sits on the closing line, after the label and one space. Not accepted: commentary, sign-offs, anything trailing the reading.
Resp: 6:41
